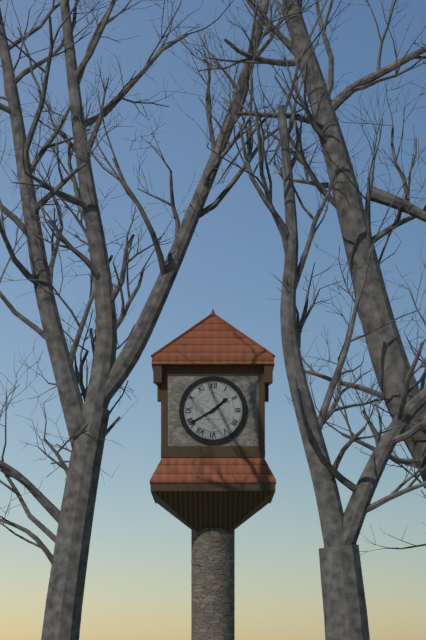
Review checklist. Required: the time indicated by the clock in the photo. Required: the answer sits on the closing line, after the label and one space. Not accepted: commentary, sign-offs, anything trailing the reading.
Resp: 1:40
